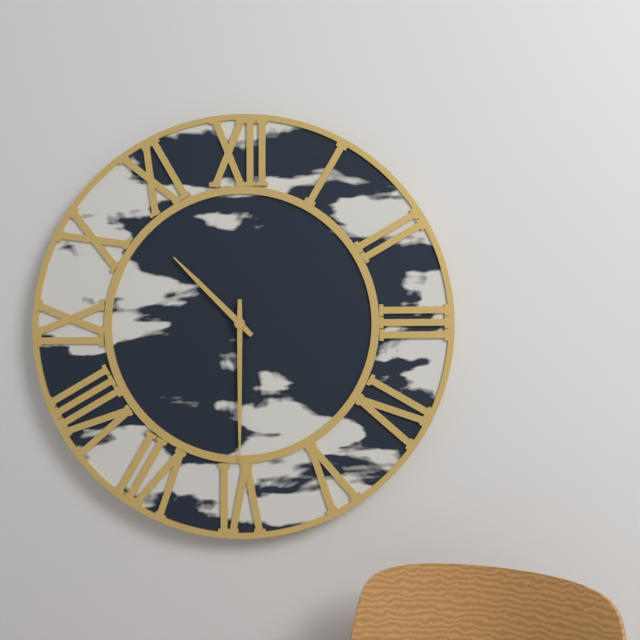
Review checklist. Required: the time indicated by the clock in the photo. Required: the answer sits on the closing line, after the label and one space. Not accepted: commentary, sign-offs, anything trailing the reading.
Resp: 10:30
